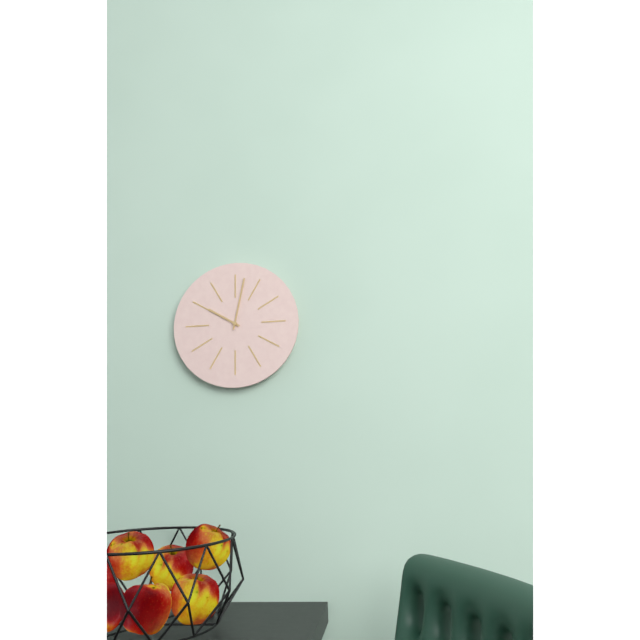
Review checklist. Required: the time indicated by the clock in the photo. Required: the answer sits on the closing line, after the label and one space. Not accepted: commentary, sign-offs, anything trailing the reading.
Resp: 10:02
